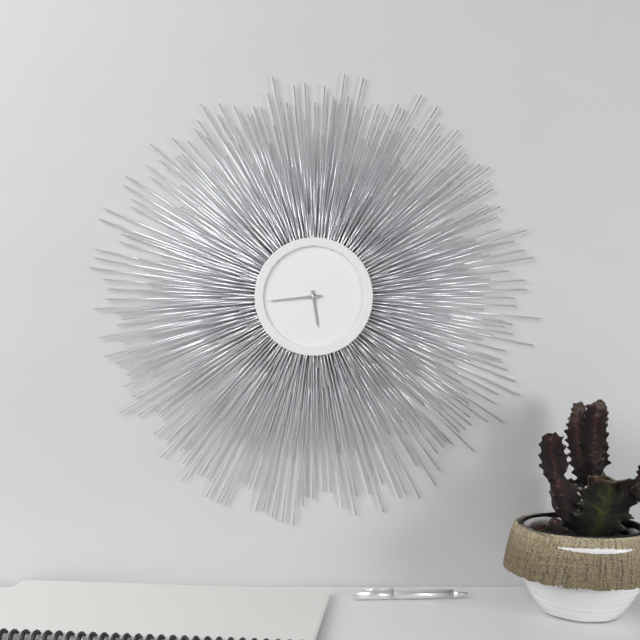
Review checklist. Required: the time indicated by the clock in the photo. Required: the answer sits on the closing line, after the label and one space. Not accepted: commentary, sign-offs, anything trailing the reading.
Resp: 5:44
